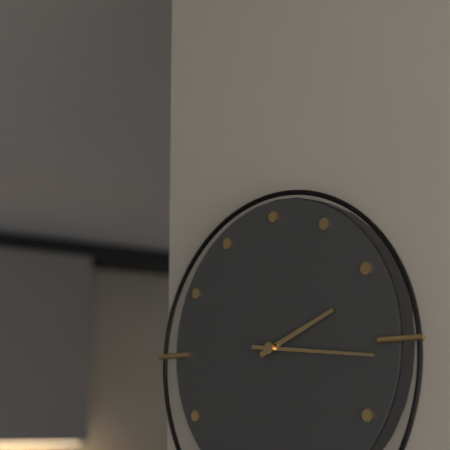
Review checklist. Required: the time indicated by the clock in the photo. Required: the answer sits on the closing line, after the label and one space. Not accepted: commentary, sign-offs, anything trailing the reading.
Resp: 2:16
